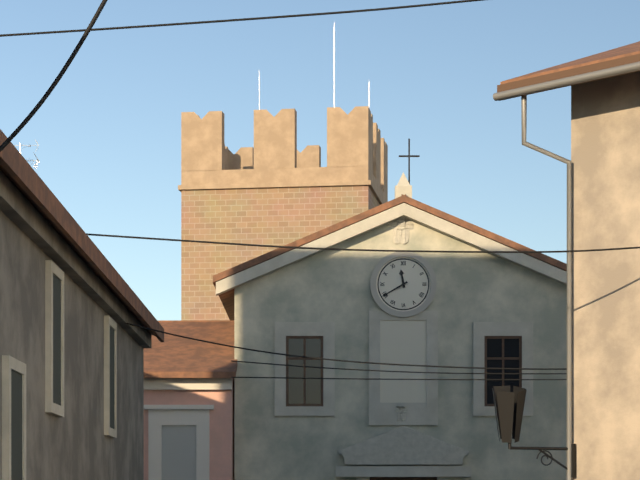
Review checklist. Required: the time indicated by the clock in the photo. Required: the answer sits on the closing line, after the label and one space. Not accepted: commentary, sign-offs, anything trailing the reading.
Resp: 11:40
